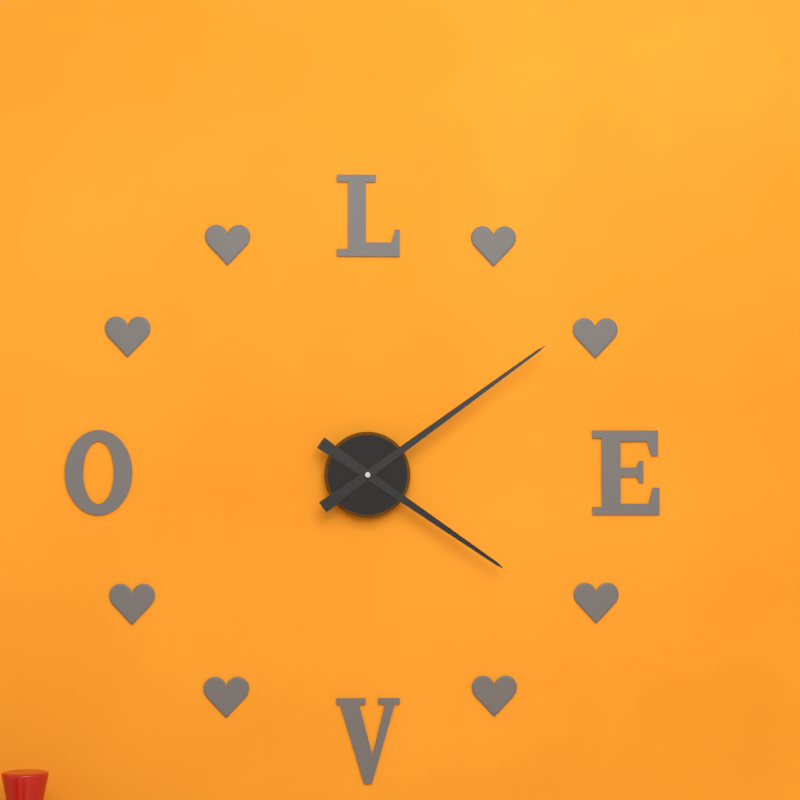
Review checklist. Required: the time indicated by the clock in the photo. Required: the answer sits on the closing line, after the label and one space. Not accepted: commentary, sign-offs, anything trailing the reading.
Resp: 4:09
